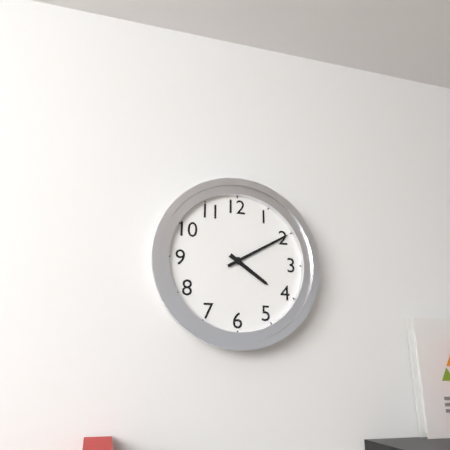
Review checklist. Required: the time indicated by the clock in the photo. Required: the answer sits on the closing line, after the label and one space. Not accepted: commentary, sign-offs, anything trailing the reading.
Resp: 4:10
